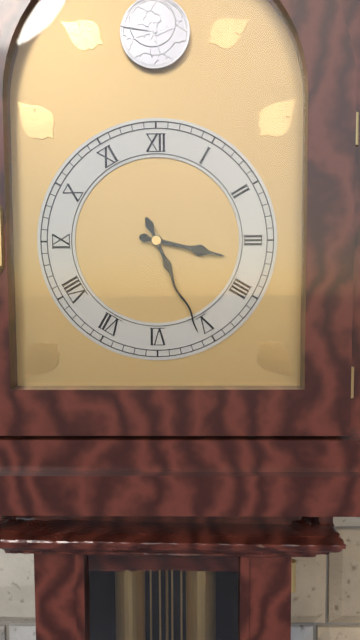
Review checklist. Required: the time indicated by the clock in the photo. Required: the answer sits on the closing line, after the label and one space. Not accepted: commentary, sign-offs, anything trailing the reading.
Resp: 3:26
